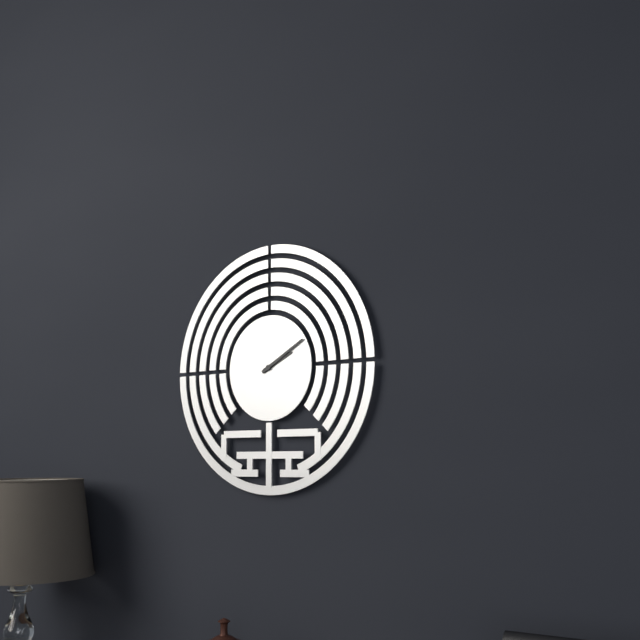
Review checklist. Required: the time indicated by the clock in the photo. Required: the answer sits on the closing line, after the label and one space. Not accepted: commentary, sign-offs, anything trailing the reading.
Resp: 2:10
